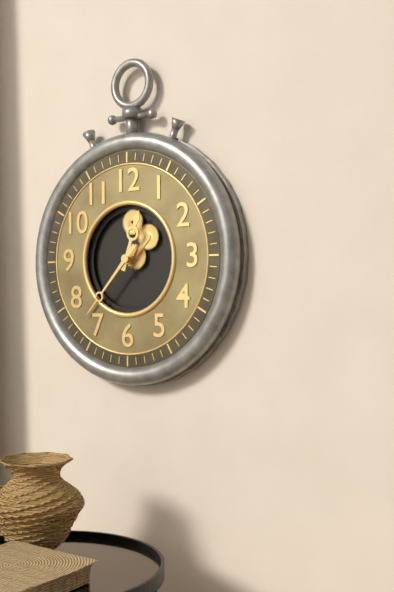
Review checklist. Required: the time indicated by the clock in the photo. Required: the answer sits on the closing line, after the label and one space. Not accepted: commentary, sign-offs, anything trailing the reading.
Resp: 12:37
